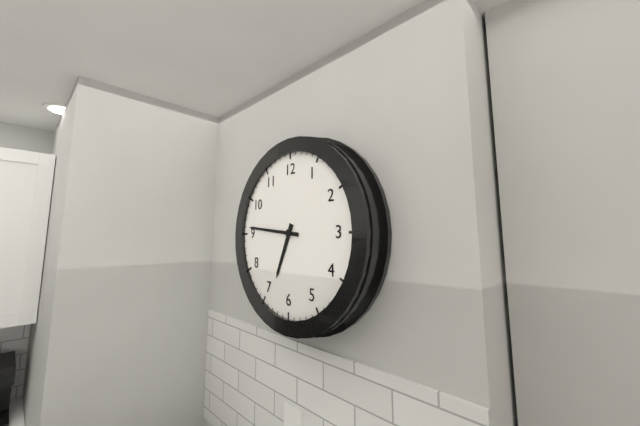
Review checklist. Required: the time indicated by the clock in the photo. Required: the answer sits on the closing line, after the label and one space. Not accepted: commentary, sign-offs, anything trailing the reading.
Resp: 6:46
